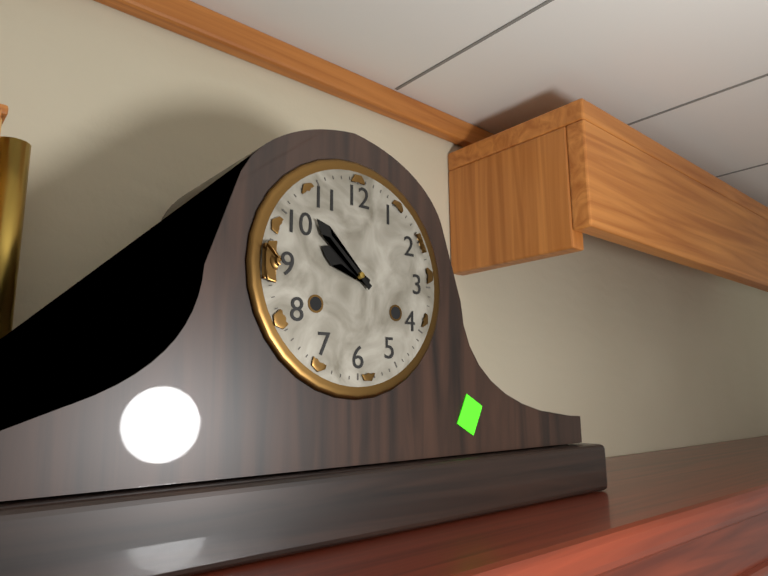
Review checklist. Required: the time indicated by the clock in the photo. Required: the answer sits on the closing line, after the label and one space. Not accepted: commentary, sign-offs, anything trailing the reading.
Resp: 9:52
